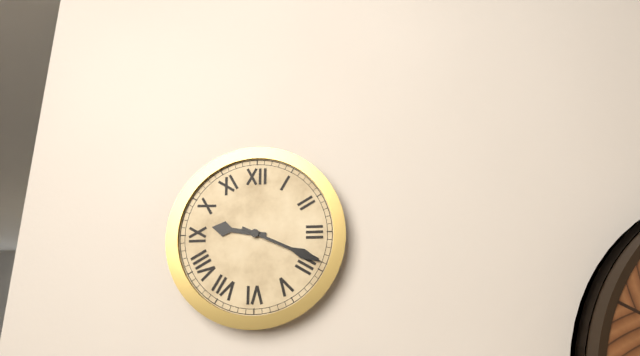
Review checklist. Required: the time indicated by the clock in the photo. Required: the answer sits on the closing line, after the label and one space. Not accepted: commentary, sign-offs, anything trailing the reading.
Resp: 9:19
